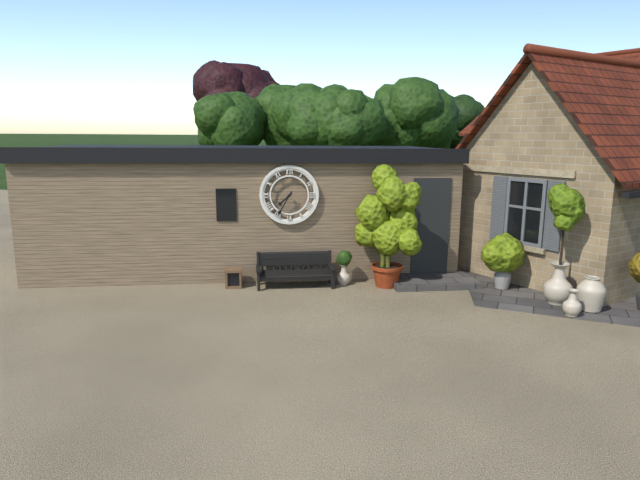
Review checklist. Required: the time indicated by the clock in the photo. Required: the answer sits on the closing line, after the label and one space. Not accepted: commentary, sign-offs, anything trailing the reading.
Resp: 7:35
